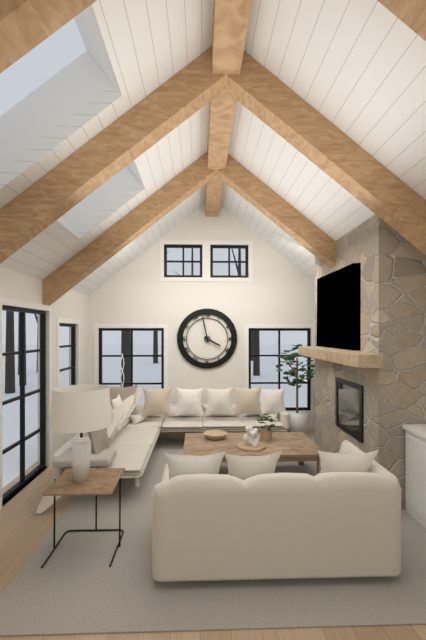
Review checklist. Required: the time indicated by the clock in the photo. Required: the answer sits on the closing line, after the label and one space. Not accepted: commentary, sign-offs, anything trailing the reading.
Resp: 3:58
